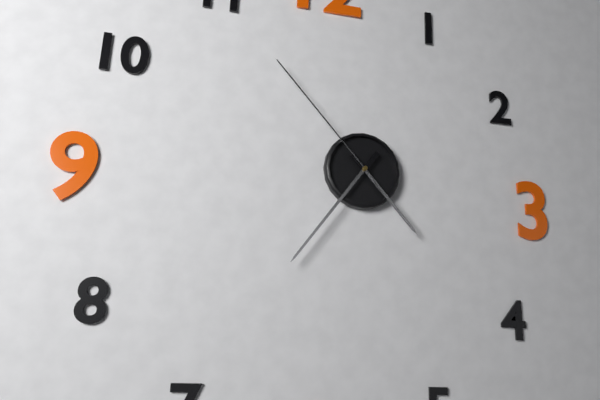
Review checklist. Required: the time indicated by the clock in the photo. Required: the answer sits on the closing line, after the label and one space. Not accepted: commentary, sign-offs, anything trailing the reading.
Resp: 4:36:53
